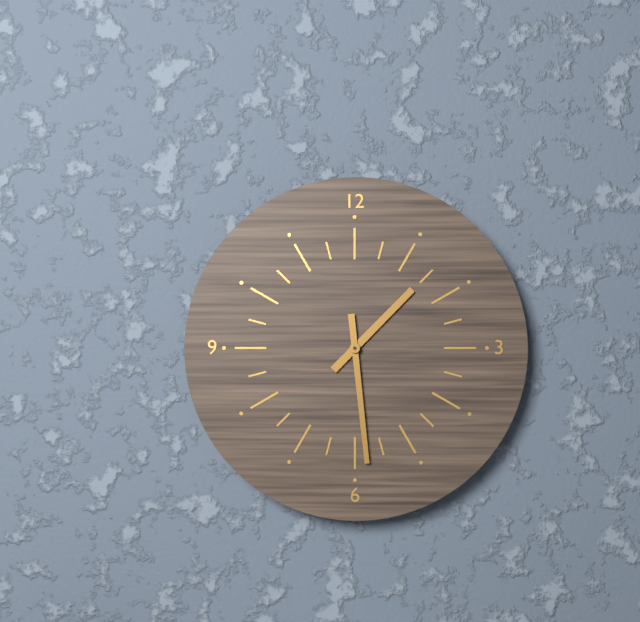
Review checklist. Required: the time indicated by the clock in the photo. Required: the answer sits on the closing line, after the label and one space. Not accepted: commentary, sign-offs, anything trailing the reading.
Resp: 1:29
